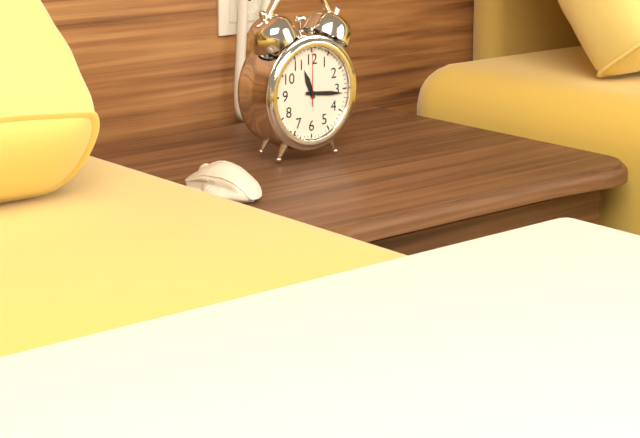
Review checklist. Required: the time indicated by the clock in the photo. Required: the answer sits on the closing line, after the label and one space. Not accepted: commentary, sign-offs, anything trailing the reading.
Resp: 11:16:00
